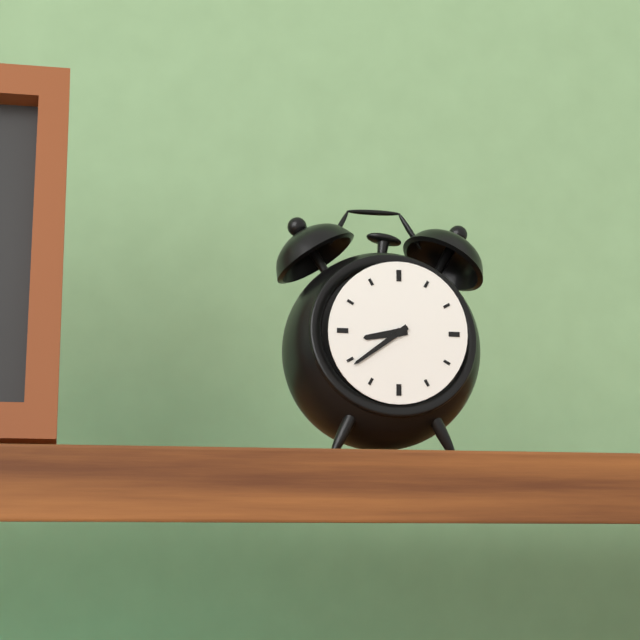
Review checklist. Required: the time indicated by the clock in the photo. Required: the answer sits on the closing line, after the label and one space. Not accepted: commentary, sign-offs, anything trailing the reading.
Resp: 8:39
